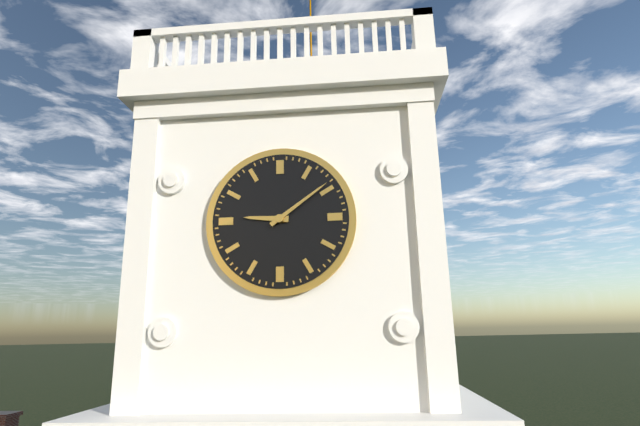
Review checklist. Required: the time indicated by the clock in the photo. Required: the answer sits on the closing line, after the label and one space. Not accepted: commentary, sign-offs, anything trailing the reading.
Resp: 9:09
